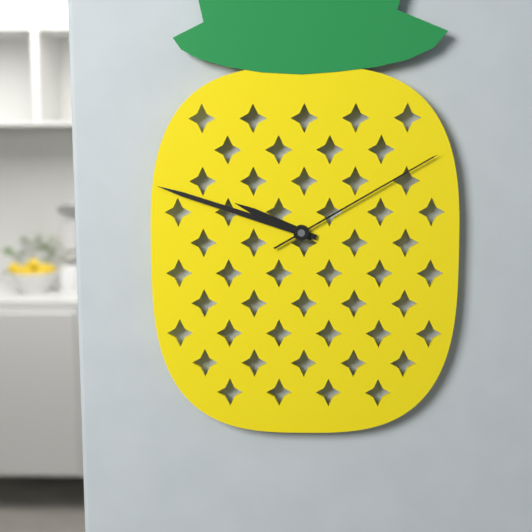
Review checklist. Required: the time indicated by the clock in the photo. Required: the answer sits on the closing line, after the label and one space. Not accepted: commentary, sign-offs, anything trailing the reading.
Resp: 9:48:10
